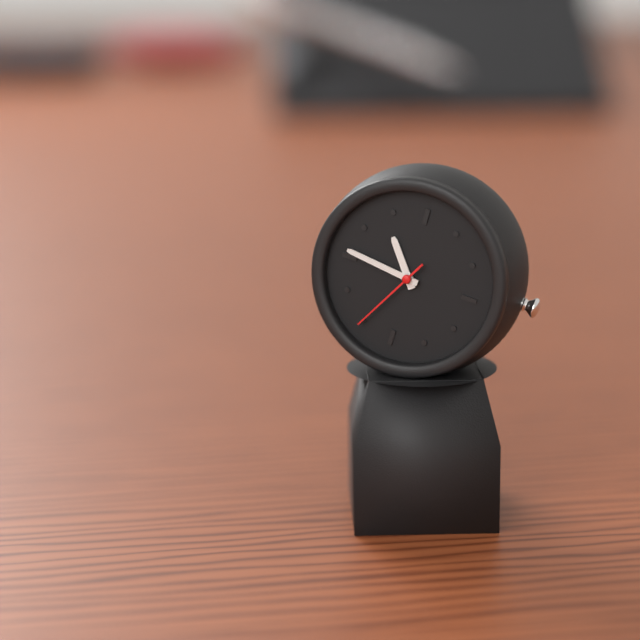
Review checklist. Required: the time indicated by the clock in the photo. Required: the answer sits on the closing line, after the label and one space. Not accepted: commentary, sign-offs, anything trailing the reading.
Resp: 10:46:35
